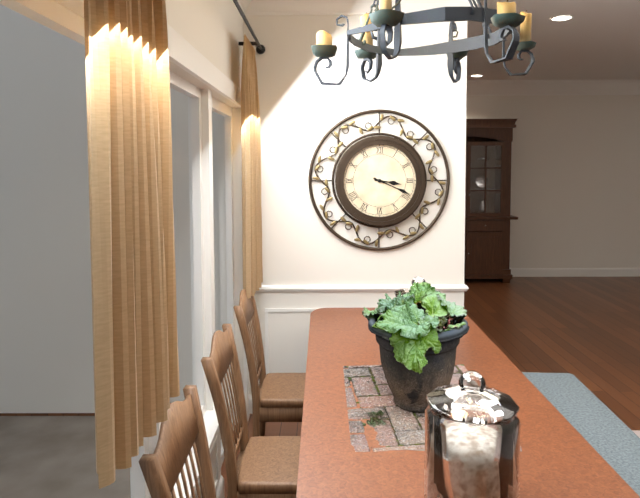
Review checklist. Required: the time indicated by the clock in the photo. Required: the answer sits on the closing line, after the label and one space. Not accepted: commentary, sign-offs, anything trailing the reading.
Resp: 3:19
